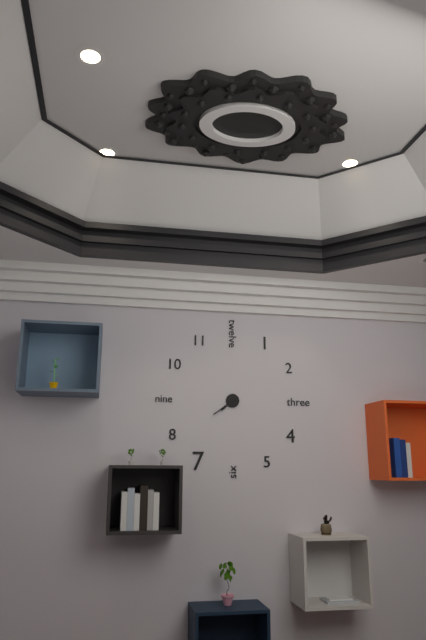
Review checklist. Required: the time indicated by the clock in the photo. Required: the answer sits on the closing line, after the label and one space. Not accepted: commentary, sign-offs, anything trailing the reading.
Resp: 7:39
